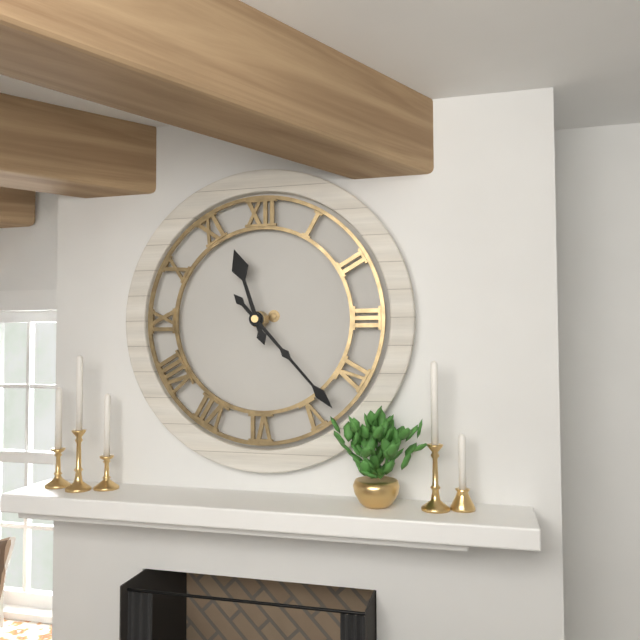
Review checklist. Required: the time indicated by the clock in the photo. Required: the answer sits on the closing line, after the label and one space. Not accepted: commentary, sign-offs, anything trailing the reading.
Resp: 11:23
